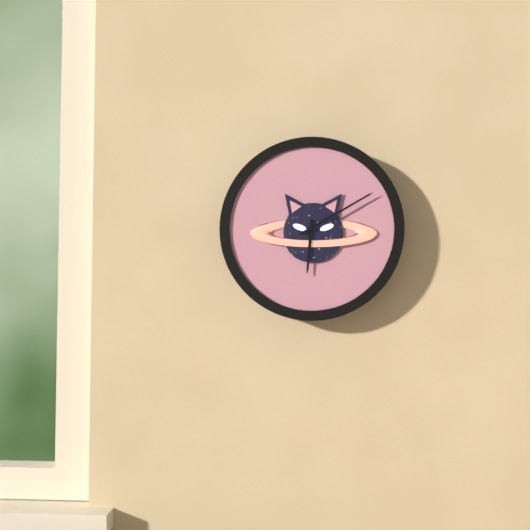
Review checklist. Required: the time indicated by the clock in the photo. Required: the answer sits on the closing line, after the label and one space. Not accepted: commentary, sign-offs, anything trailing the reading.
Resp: 6:10
